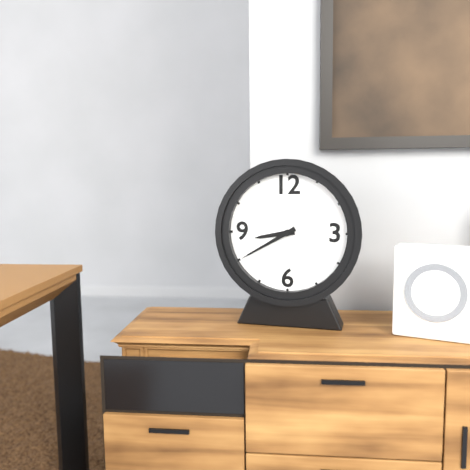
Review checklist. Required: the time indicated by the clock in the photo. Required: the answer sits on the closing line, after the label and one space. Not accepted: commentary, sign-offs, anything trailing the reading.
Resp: 8:40
